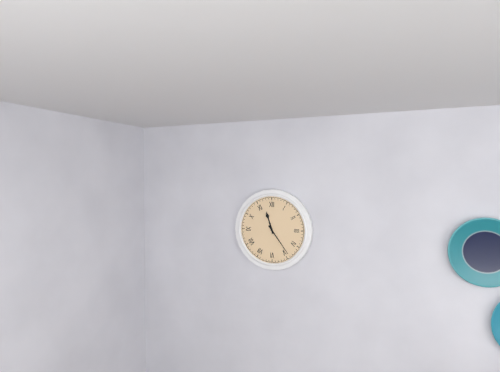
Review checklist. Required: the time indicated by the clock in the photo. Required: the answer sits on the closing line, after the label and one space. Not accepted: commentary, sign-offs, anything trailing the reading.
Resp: 11:24
